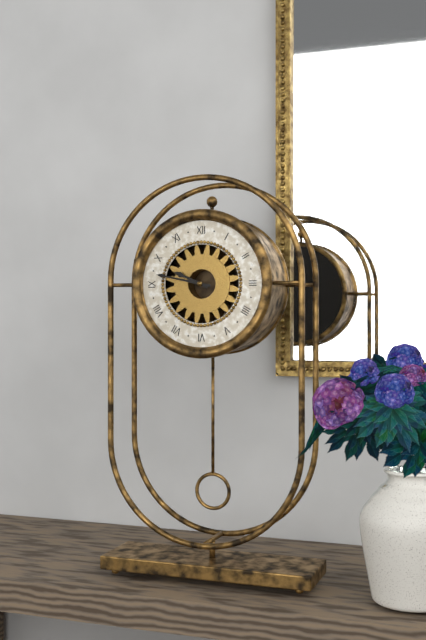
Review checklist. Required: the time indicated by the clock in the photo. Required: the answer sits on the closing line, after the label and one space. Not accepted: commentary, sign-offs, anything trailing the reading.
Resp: 9:47
